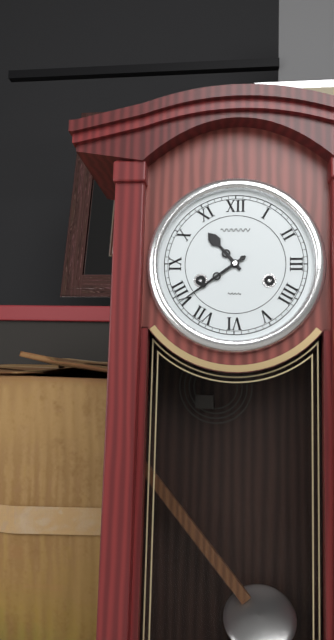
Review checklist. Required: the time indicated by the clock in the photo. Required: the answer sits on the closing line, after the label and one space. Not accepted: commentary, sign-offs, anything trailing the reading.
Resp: 10:39
